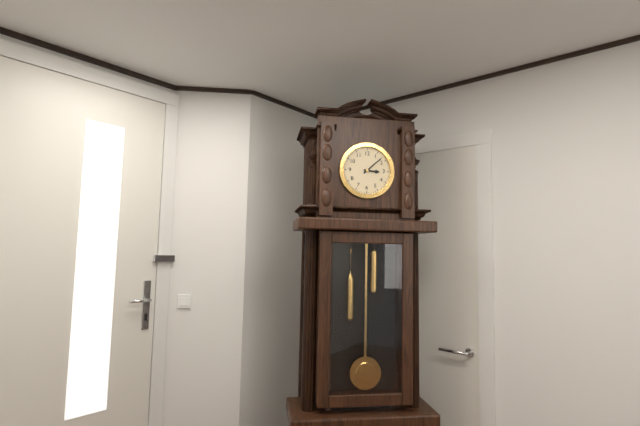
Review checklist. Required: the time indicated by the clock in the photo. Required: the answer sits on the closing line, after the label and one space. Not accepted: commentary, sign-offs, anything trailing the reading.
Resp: 3:08
